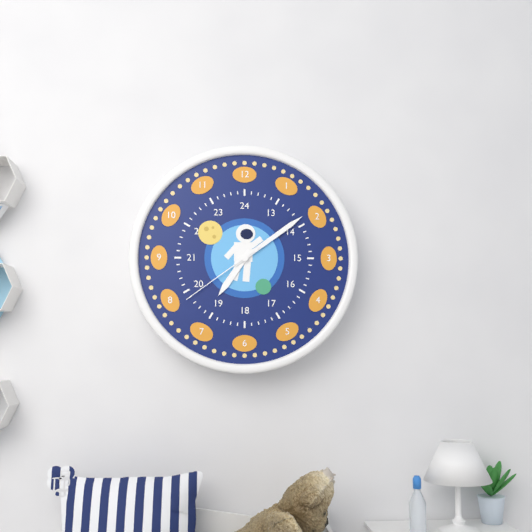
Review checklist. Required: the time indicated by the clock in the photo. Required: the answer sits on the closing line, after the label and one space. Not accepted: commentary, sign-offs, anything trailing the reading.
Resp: 7:09:39
